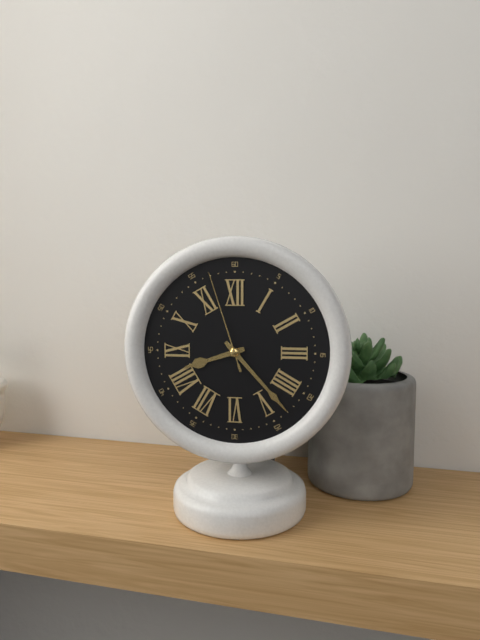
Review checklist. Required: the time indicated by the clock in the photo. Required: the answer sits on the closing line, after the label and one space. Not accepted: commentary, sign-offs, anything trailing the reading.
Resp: 8:23:57
